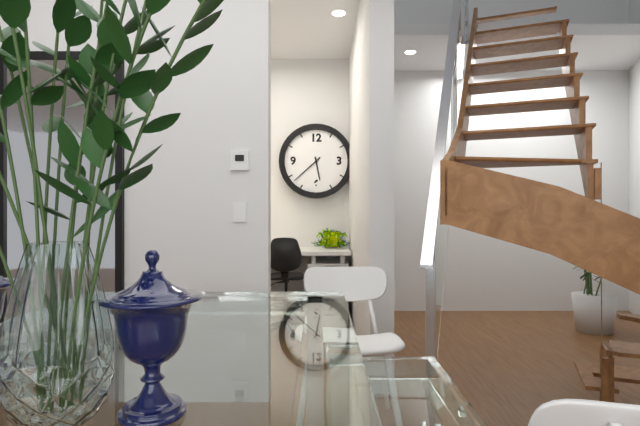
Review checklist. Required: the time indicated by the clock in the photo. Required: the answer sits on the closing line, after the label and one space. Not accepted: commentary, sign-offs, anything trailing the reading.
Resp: 5:38
